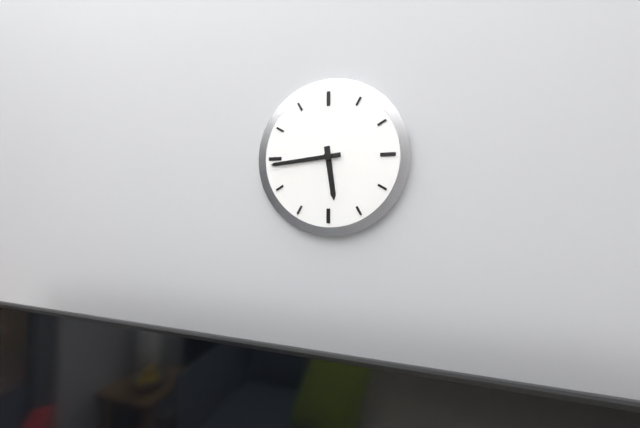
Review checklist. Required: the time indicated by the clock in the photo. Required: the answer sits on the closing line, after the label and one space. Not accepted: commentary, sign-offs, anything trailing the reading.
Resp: 5:44
